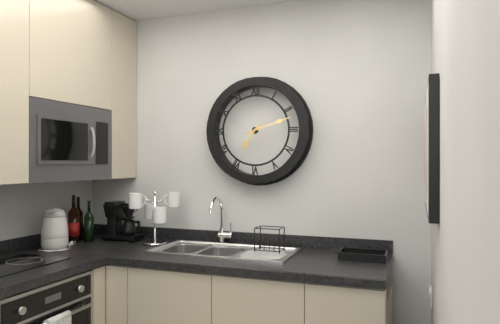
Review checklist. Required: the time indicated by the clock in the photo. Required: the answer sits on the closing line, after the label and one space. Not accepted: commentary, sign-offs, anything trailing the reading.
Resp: 7:12
